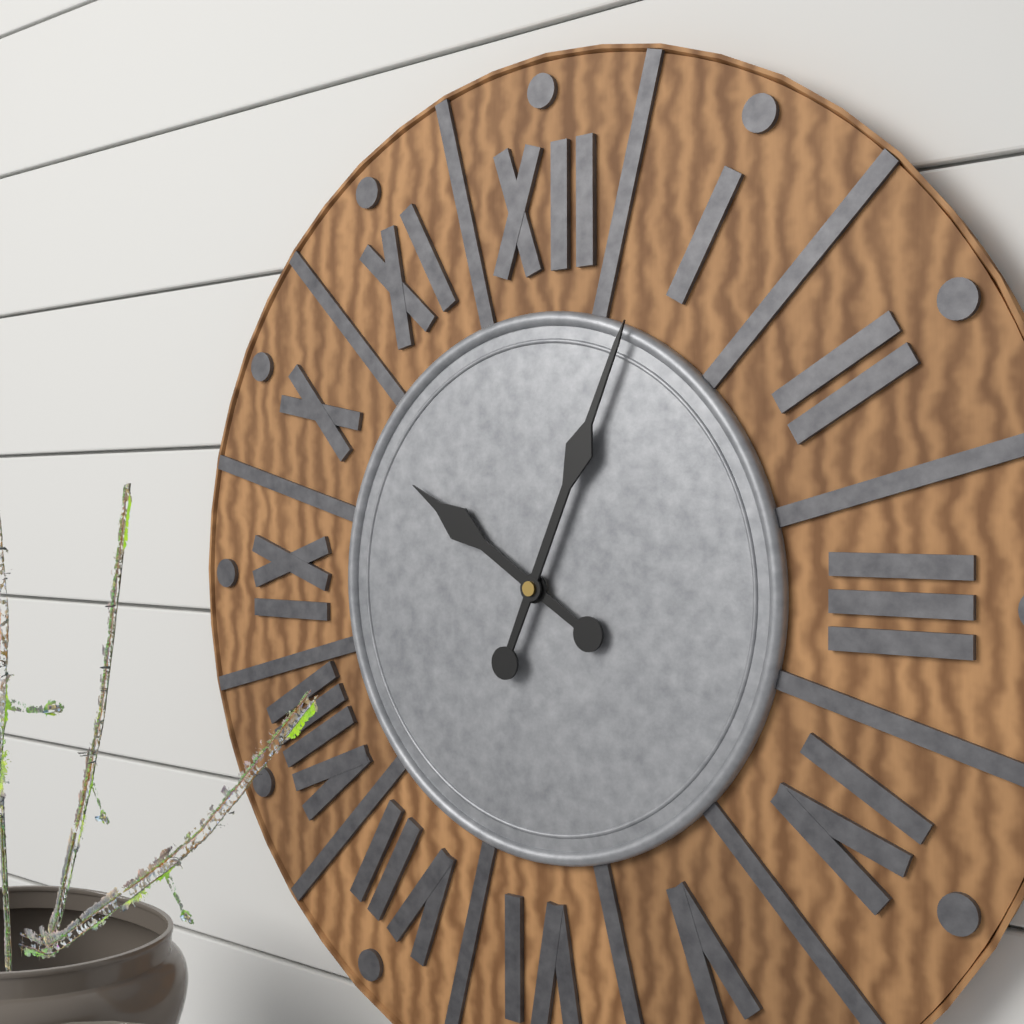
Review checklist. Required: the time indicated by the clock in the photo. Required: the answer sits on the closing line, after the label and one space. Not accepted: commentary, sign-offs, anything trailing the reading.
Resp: 10:04
